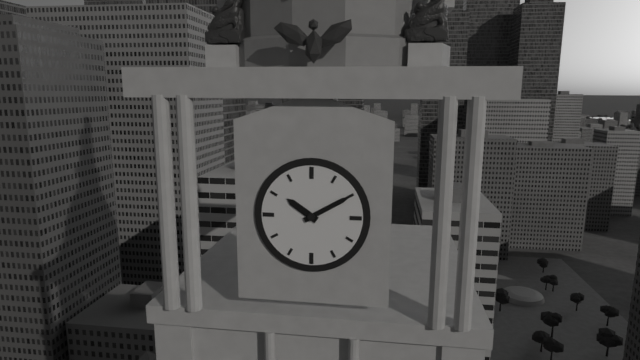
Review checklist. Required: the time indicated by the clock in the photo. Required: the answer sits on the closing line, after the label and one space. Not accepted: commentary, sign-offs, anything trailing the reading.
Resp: 10:10
